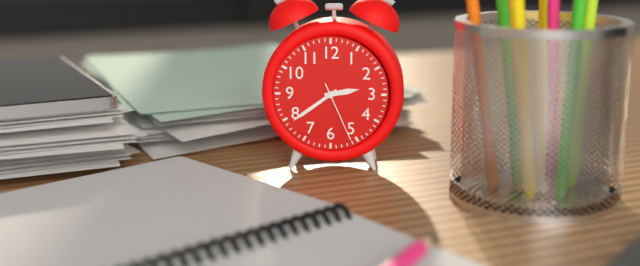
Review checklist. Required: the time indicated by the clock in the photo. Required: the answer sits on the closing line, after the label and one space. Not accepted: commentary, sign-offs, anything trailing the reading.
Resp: 2:39:26
